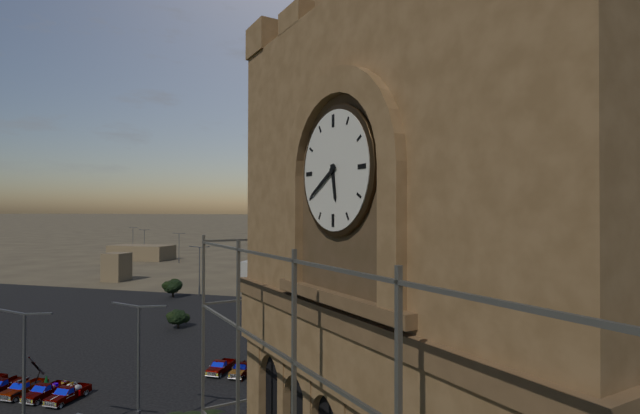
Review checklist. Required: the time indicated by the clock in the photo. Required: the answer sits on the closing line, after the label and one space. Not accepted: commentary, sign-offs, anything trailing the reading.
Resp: 5:40
